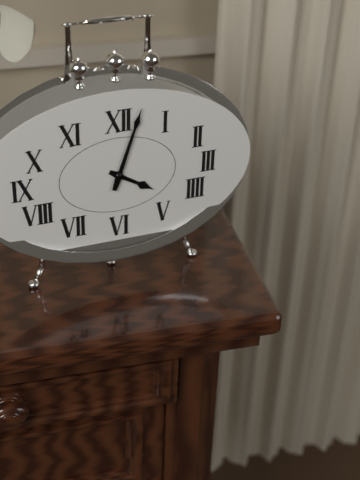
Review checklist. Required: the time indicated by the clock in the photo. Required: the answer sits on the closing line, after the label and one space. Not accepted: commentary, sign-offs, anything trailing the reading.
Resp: 4:03
